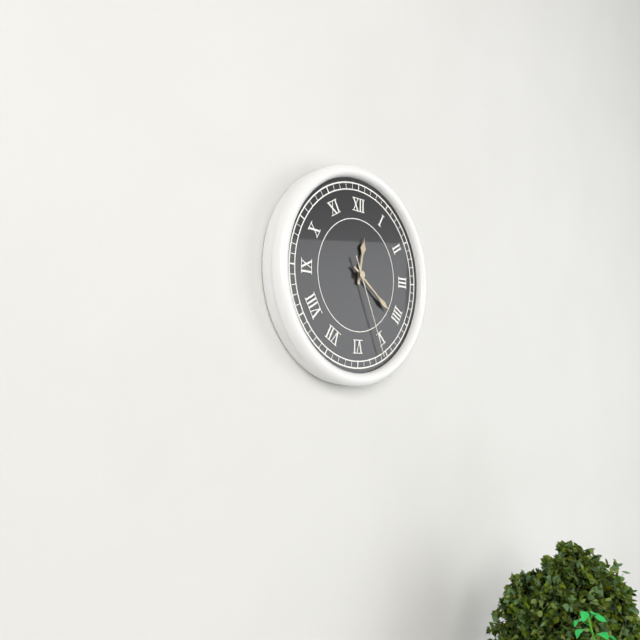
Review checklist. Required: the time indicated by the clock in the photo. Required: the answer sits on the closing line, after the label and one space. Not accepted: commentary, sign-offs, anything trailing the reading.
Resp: 12:21:26
